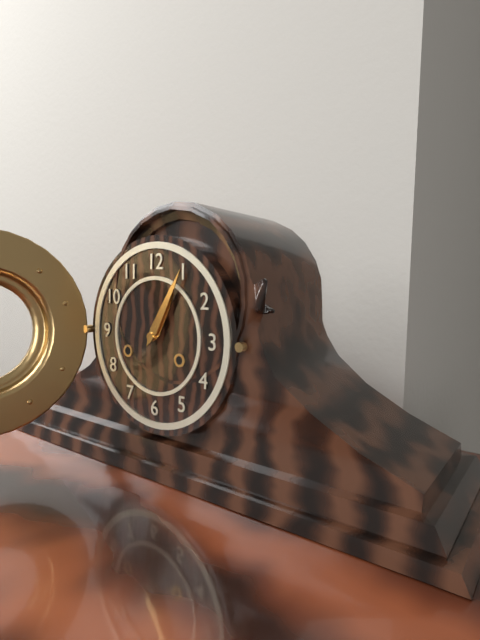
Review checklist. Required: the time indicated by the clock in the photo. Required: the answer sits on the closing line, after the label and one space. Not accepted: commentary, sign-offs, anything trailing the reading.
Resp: 1:05
